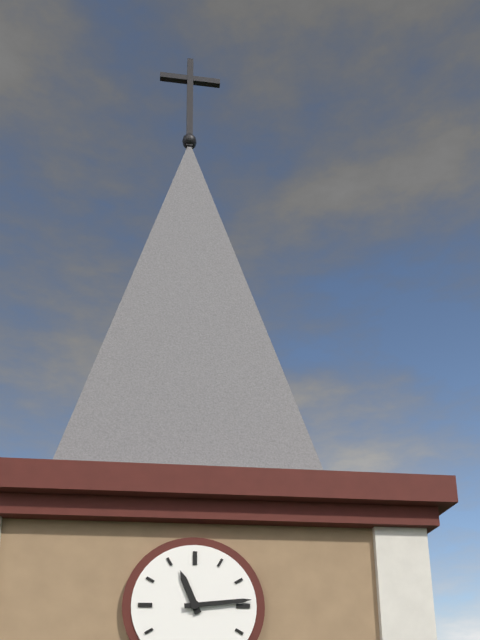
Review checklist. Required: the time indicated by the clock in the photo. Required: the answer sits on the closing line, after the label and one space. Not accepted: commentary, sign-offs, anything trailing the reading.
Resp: 11:14
